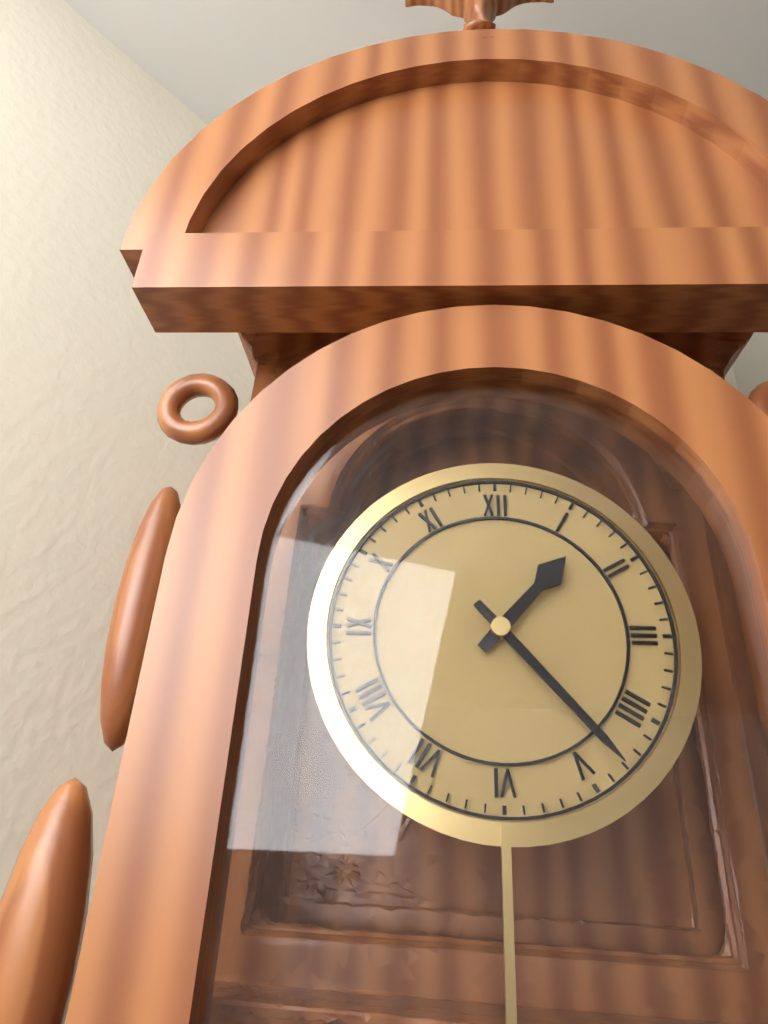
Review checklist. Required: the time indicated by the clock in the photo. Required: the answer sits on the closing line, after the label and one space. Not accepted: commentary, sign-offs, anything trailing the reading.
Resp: 1:23
